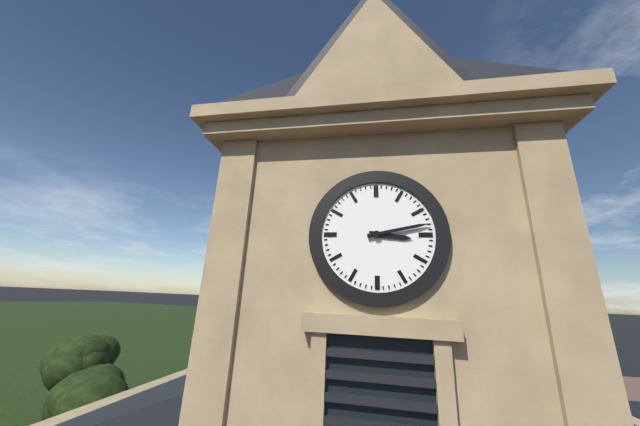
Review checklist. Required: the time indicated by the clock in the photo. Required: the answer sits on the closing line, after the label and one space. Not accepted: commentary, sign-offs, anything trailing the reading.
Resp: 3:13
